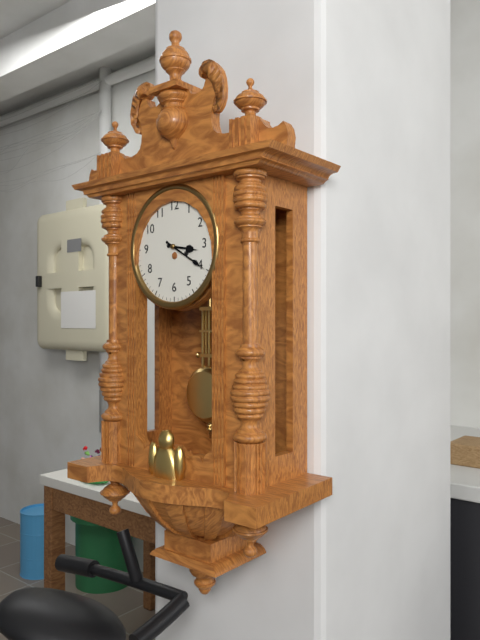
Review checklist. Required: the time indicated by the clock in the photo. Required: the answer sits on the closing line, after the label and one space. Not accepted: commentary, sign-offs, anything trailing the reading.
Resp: 3:20
